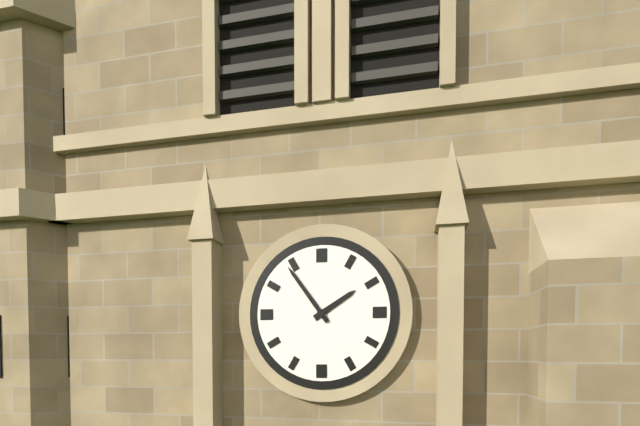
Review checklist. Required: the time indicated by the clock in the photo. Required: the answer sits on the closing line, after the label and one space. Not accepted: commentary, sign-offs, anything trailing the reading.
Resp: 1:54
